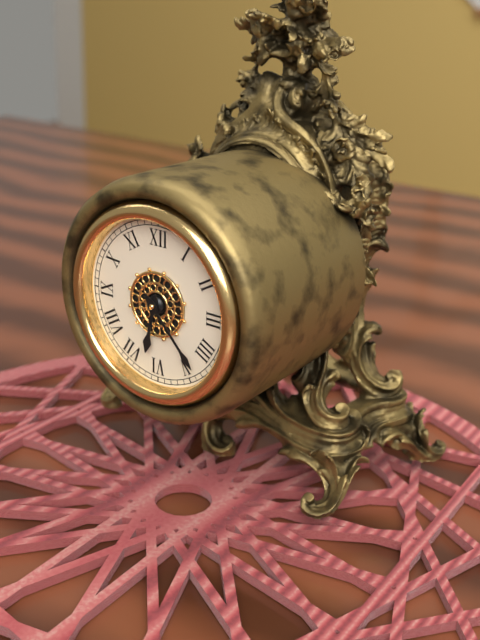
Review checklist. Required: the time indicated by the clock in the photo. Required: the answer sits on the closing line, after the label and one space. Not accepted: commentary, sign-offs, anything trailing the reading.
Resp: 6:23
